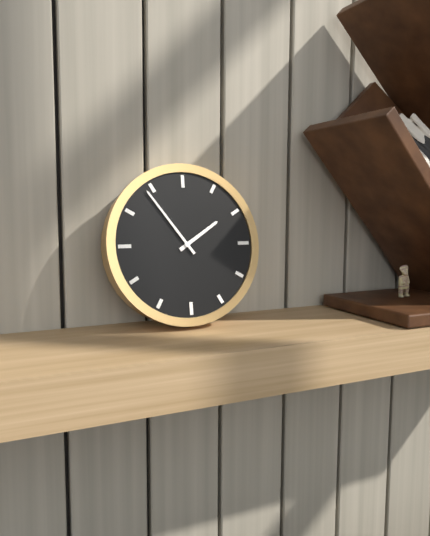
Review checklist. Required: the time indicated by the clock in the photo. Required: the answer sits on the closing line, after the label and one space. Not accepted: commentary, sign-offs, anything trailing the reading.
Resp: 1:54
